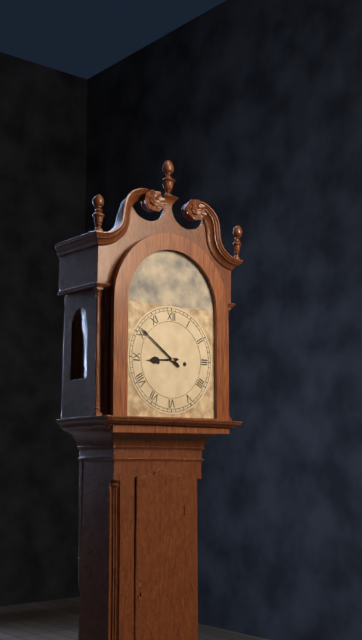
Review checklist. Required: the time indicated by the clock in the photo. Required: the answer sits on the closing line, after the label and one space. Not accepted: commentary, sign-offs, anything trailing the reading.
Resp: 8:51
